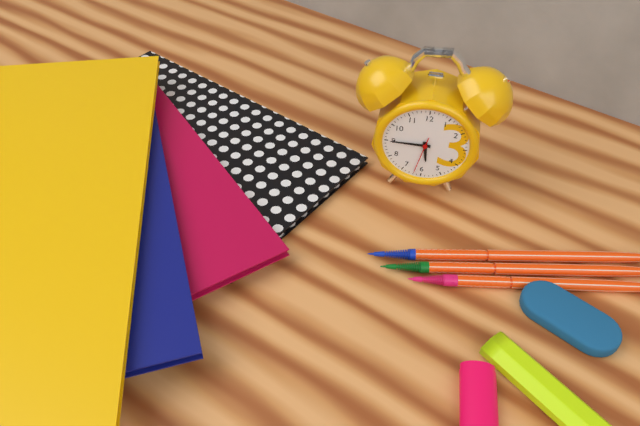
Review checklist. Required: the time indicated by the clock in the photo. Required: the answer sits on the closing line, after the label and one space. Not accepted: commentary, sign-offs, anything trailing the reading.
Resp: 5:45
